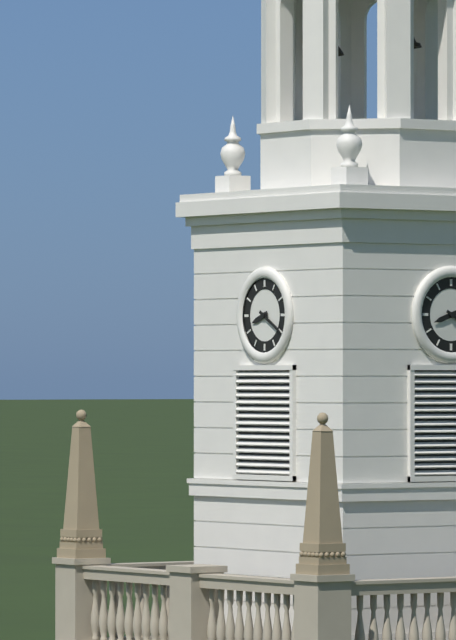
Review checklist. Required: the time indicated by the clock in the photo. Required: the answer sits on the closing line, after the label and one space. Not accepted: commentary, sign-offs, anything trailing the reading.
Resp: 8:20
